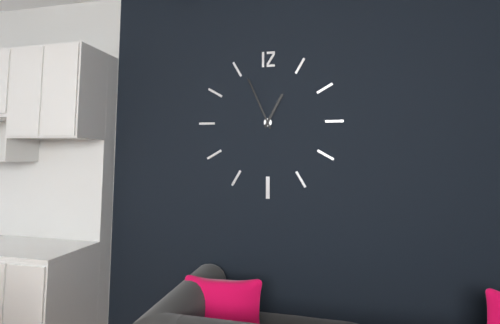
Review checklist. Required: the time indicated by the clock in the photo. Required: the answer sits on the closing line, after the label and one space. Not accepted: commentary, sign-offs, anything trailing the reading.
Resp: 12:56
